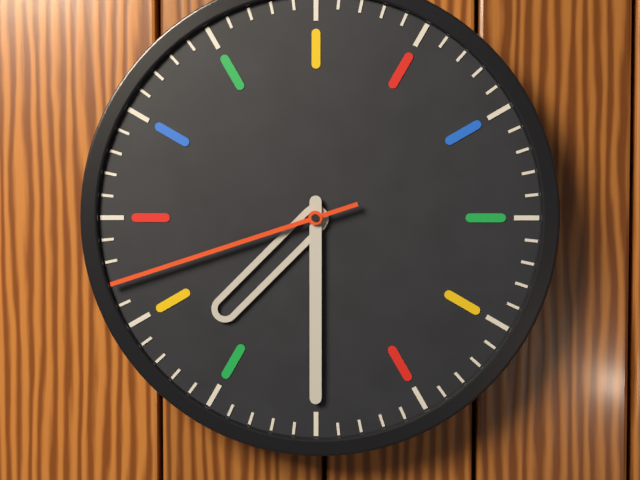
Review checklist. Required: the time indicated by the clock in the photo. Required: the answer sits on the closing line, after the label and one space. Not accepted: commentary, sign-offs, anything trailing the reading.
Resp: 7:30:42
